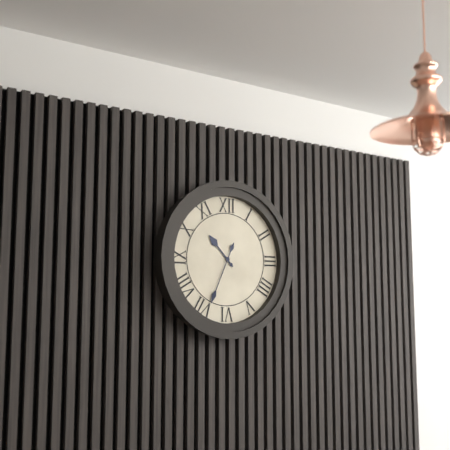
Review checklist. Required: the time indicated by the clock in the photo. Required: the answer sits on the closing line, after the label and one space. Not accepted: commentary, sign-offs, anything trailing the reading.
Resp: 10:34
